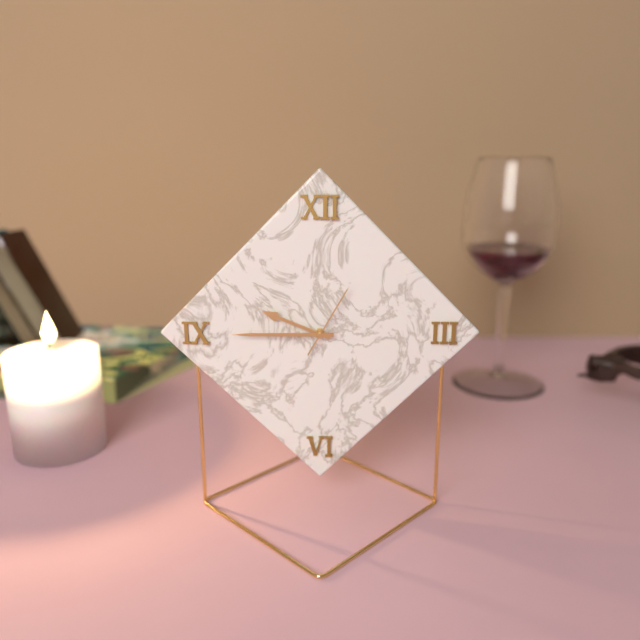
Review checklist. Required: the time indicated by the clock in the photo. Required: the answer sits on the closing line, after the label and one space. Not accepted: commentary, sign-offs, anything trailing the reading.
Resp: 9:45:05
